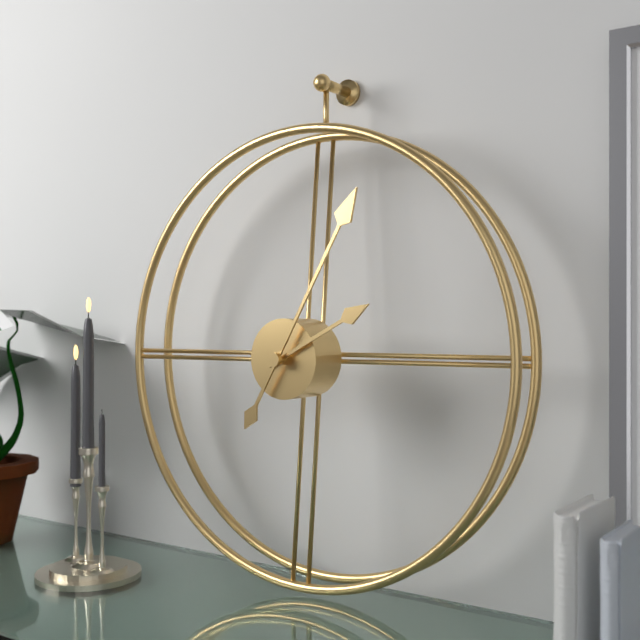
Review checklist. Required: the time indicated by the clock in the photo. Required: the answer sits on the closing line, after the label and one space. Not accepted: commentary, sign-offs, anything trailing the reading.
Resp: 2:05
